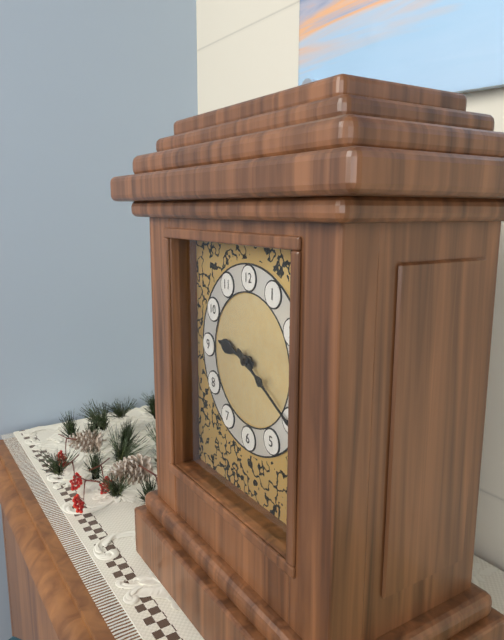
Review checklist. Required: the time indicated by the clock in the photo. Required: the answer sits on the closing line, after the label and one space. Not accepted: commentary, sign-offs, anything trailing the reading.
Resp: 9:20
